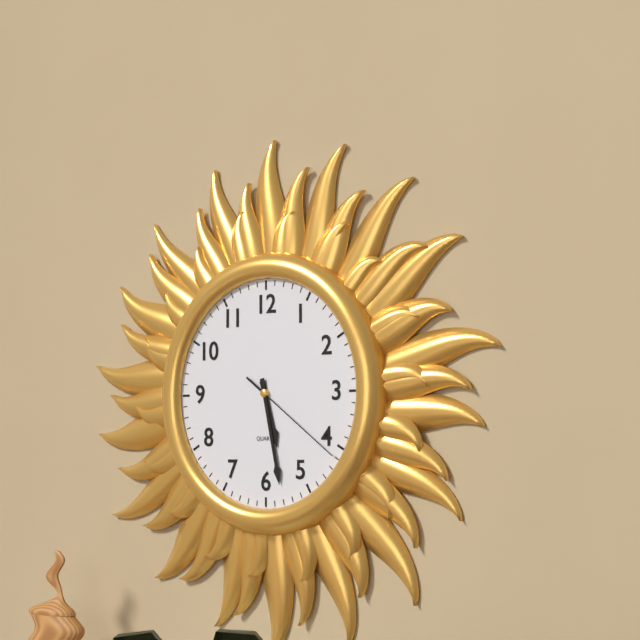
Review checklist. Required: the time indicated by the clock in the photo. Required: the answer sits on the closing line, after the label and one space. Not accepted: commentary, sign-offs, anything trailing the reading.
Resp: 5:28:21
